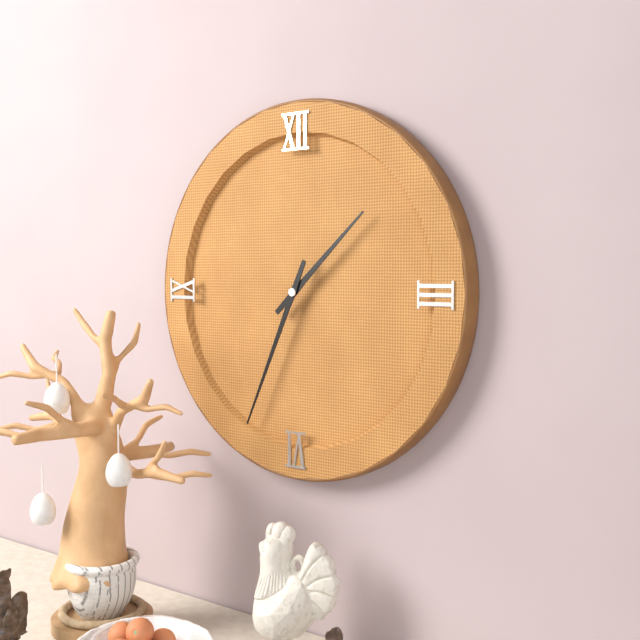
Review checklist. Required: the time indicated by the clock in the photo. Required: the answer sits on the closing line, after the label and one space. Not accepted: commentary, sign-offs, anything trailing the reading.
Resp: 1:34
